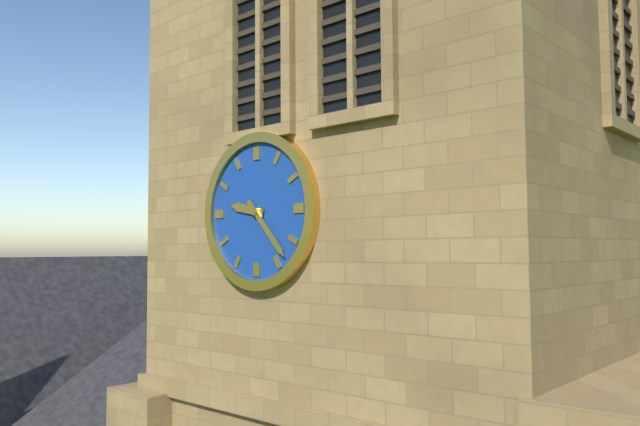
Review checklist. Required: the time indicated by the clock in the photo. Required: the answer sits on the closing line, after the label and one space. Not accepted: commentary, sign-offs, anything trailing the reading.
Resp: 9:23
